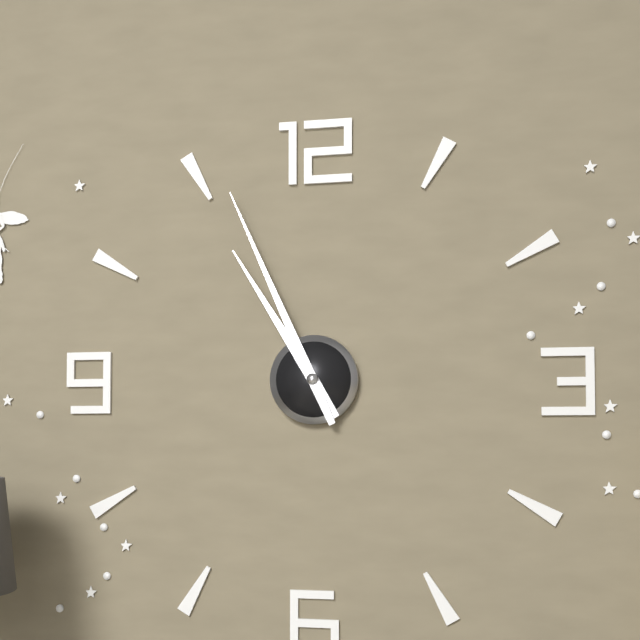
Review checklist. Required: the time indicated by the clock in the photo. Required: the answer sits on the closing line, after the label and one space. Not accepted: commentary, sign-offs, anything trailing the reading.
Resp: 10:56
